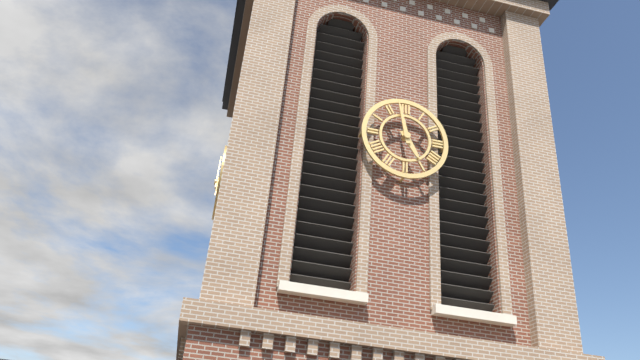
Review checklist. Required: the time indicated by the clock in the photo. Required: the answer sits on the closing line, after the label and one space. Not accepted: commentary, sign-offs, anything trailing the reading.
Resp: 4:58
